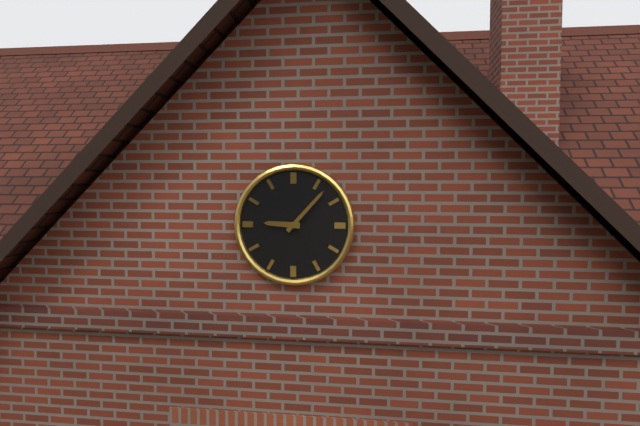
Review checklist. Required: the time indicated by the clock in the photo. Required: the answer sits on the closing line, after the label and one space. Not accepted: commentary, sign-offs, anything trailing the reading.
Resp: 9:07
